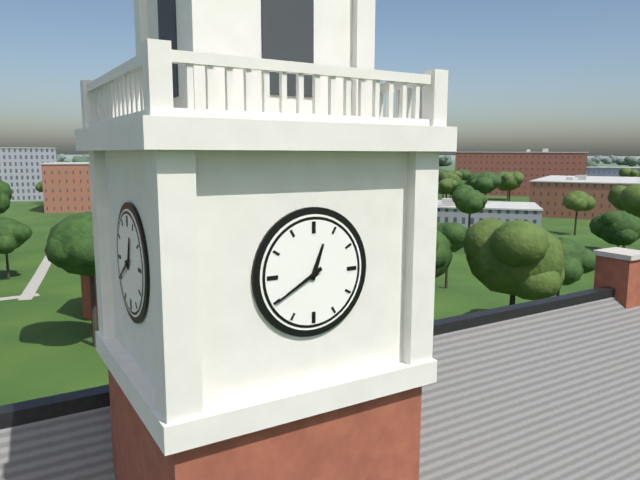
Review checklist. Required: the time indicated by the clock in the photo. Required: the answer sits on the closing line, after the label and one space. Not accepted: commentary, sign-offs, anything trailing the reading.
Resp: 12:40
